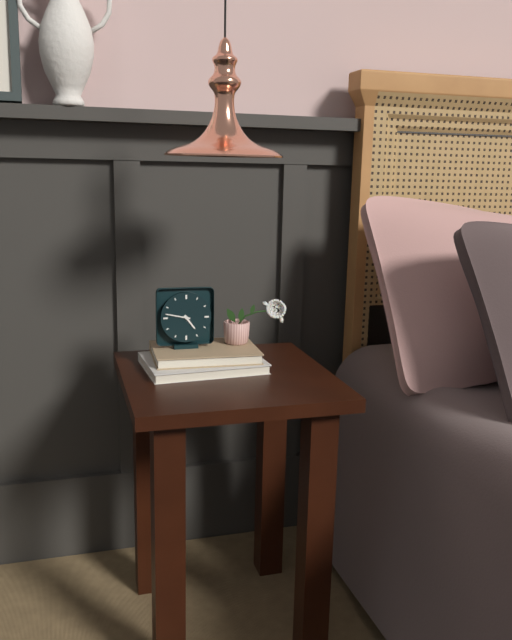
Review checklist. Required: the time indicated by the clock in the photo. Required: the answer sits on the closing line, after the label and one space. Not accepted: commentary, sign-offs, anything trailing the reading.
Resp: 4:47
